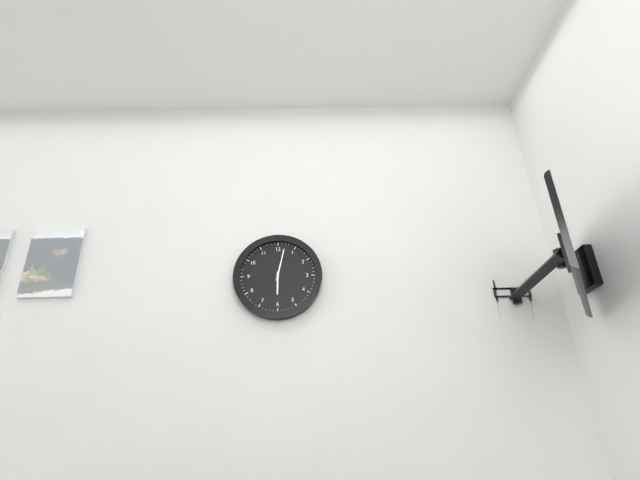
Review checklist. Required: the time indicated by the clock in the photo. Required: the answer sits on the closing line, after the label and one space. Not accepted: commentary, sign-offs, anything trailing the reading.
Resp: 6:02
